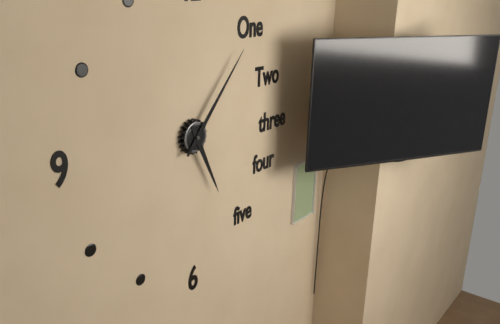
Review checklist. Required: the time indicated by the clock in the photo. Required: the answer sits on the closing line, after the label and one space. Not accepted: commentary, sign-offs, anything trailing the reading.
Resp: 5:07
